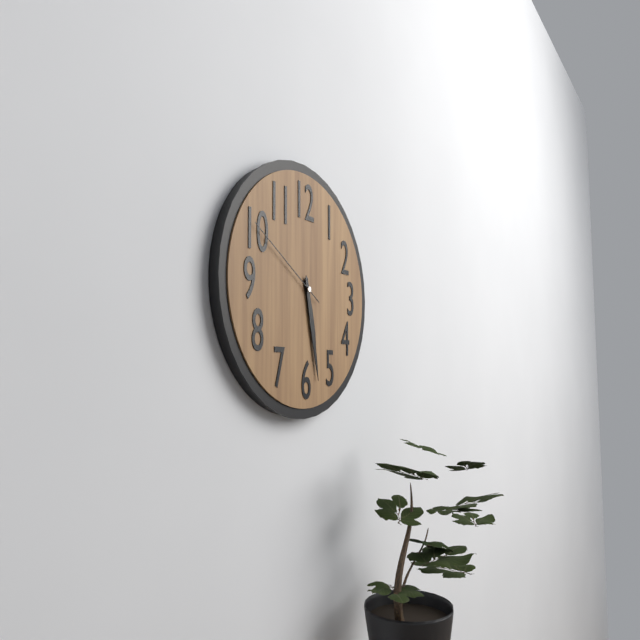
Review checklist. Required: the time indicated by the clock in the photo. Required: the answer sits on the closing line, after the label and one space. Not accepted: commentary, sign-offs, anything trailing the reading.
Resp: 5:28:50
